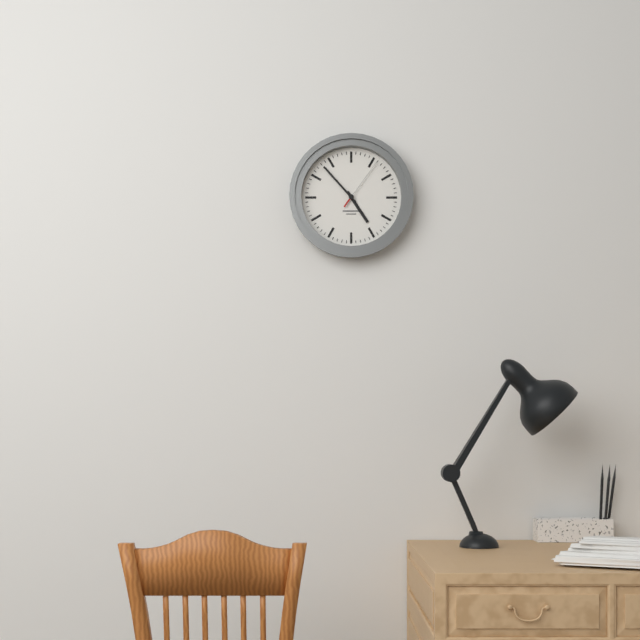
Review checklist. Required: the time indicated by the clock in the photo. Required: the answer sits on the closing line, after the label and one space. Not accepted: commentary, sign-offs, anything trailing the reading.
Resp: 4:53:06
